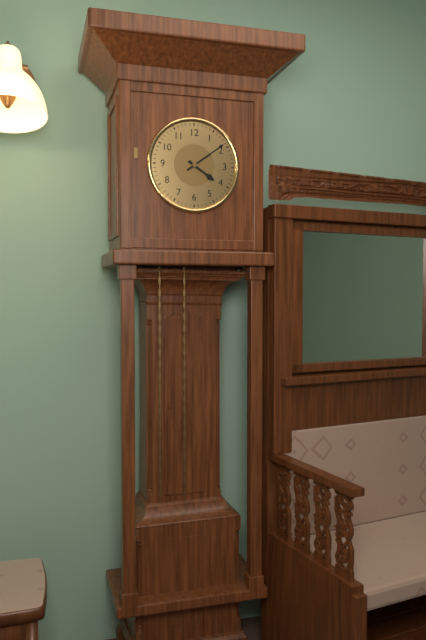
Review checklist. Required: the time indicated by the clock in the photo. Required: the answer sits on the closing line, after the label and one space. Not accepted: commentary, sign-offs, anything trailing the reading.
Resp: 4:09
